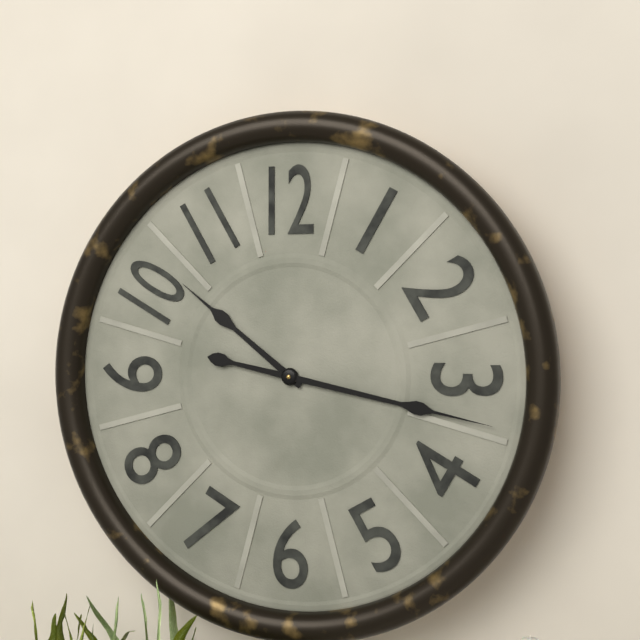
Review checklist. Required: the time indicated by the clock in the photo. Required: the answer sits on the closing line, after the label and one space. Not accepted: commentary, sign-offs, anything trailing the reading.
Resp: 10:17
